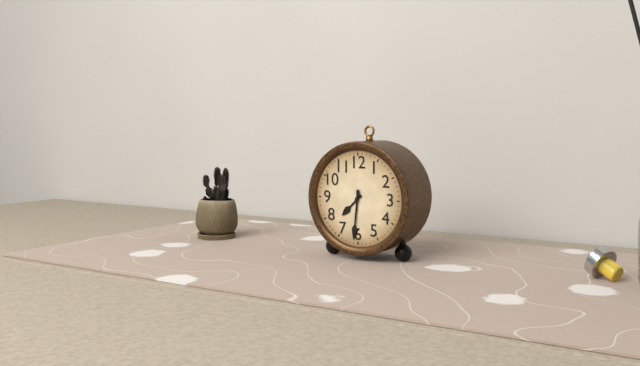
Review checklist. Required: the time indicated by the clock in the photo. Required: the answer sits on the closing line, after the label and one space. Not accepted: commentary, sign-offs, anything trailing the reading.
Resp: 7:31
